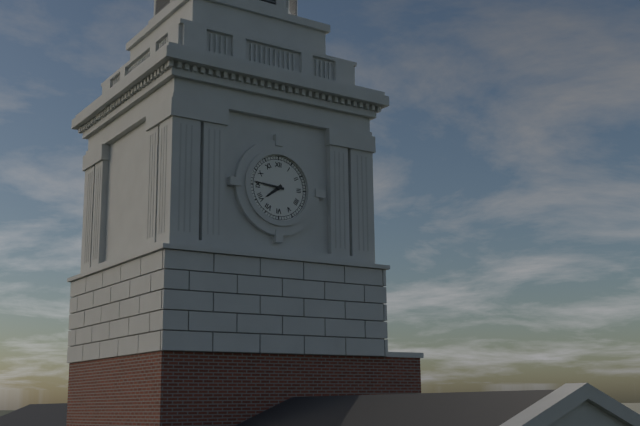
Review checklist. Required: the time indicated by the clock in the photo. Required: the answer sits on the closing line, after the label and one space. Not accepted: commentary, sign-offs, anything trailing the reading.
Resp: 7:46
